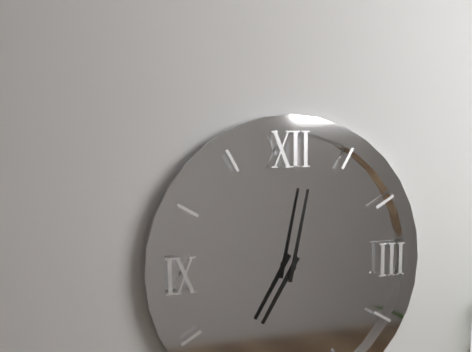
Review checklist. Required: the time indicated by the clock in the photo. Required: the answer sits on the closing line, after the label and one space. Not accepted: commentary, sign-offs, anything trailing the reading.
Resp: 7:02
